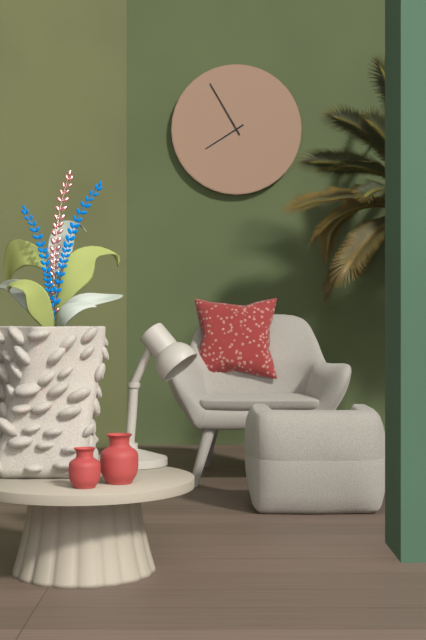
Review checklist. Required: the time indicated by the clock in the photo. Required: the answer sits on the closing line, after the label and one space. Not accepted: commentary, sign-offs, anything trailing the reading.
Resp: 7:55
